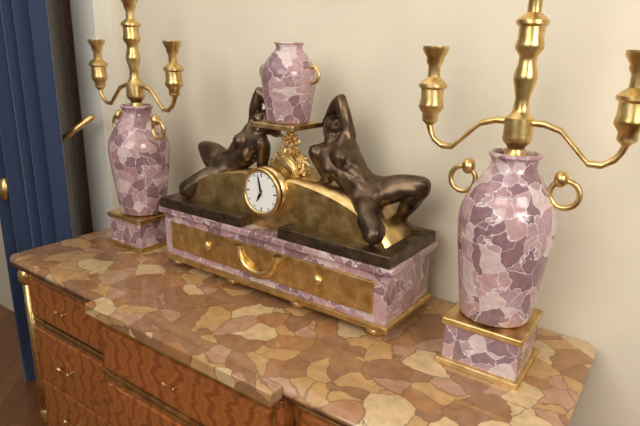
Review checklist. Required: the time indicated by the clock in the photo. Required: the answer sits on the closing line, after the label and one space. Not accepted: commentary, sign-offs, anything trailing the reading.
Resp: 6:58
